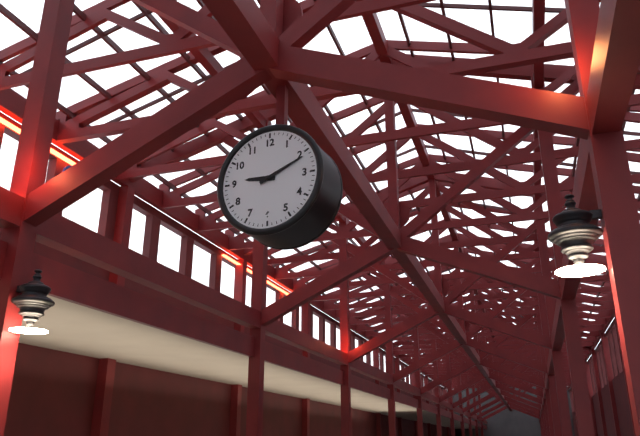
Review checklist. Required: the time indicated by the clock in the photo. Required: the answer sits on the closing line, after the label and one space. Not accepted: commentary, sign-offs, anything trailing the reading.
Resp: 9:11
